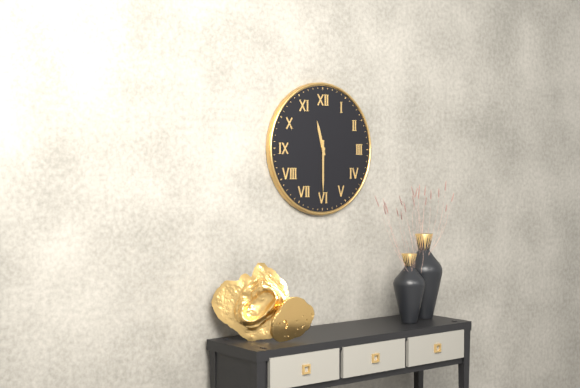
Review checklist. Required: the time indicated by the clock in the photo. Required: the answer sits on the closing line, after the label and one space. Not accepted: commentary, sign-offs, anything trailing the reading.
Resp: 11:30
